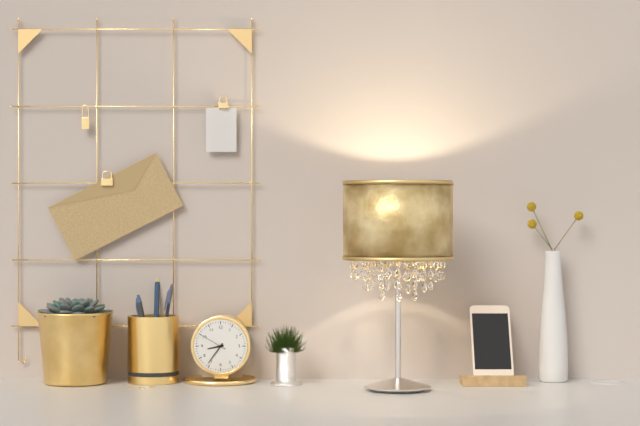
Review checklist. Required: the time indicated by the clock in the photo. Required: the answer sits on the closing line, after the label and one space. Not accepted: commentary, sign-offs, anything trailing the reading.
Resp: 8:36
